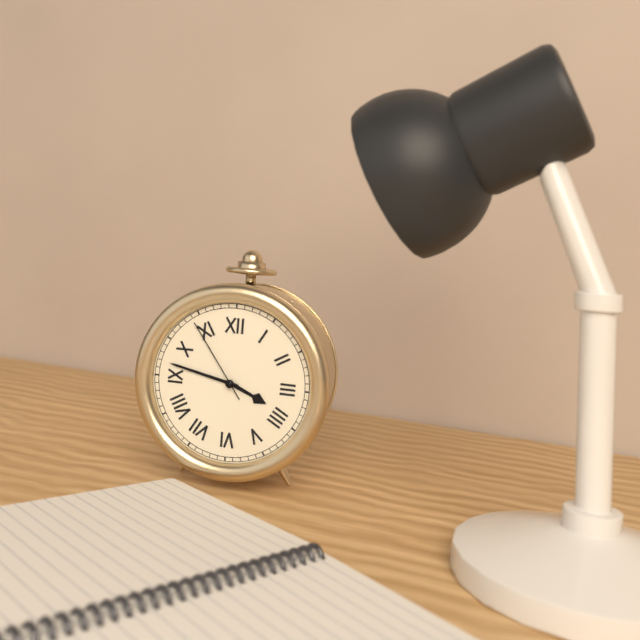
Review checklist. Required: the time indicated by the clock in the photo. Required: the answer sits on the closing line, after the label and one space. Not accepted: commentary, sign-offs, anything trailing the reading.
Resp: 3:47:54
